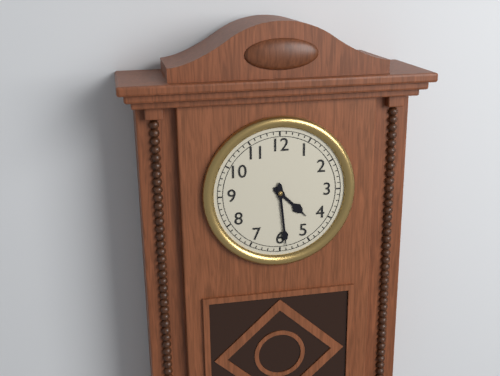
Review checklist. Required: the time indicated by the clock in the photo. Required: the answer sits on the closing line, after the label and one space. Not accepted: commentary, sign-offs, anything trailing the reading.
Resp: 4:29
